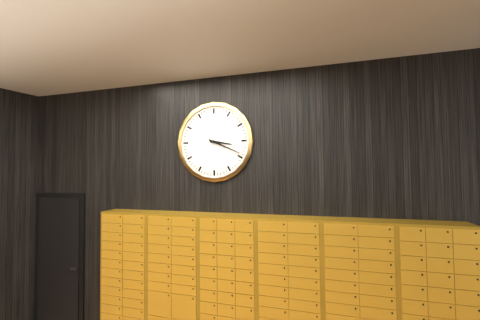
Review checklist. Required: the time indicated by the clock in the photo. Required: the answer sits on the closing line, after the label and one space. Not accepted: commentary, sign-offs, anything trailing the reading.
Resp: 3:19
